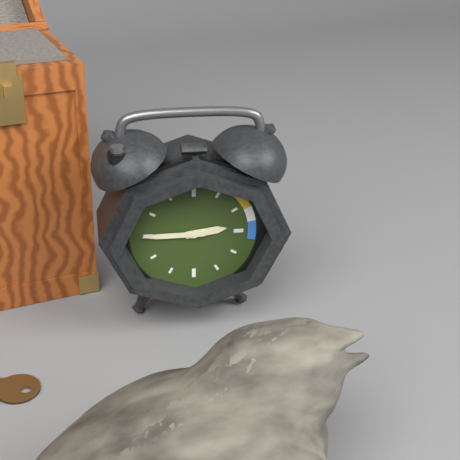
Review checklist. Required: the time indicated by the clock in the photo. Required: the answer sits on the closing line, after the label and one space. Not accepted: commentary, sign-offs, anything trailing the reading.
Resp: 2:45
